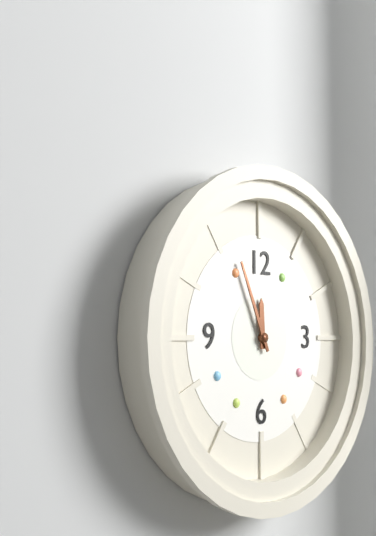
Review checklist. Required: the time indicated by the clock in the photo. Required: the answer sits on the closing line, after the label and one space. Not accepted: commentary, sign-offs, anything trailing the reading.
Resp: 11:56
